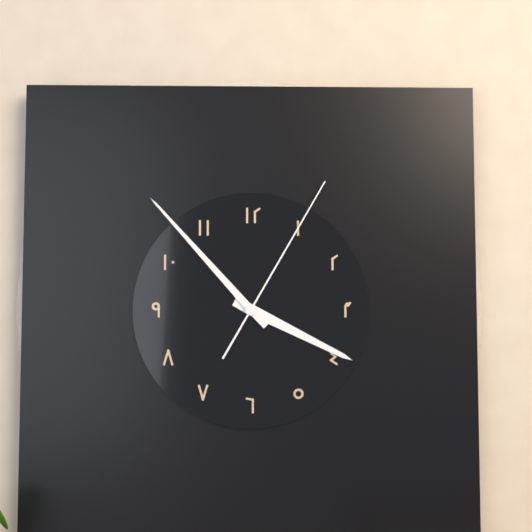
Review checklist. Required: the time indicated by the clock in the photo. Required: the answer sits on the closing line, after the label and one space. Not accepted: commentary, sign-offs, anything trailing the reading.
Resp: 3:53:05
